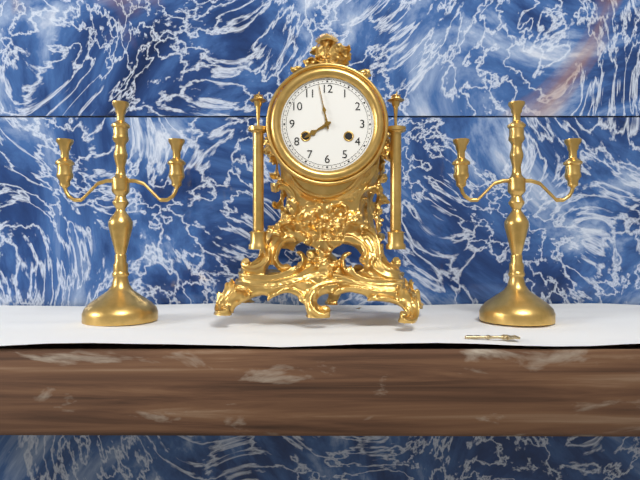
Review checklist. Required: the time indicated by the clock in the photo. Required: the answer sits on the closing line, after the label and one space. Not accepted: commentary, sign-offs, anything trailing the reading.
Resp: 7:58
